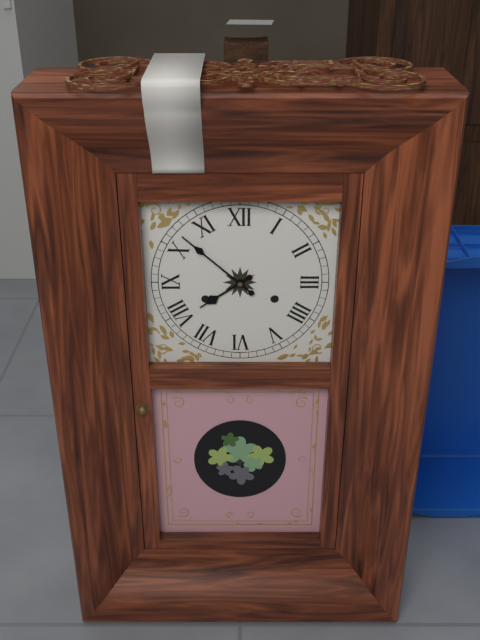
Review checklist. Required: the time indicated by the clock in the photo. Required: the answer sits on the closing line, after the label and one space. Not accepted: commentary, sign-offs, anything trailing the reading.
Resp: 7:52
